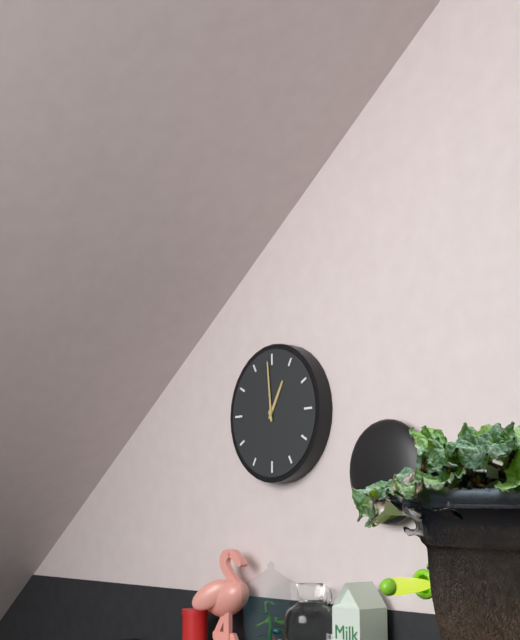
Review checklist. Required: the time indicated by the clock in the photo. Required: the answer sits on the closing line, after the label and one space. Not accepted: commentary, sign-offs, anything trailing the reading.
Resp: 12:59
